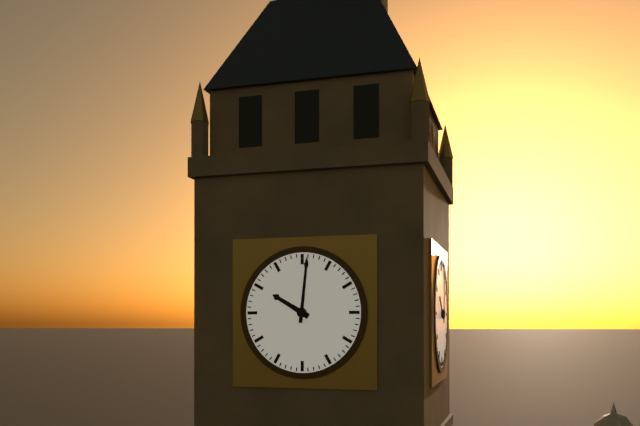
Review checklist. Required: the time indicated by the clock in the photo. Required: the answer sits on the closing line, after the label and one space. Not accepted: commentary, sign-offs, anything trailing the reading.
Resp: 10:01
